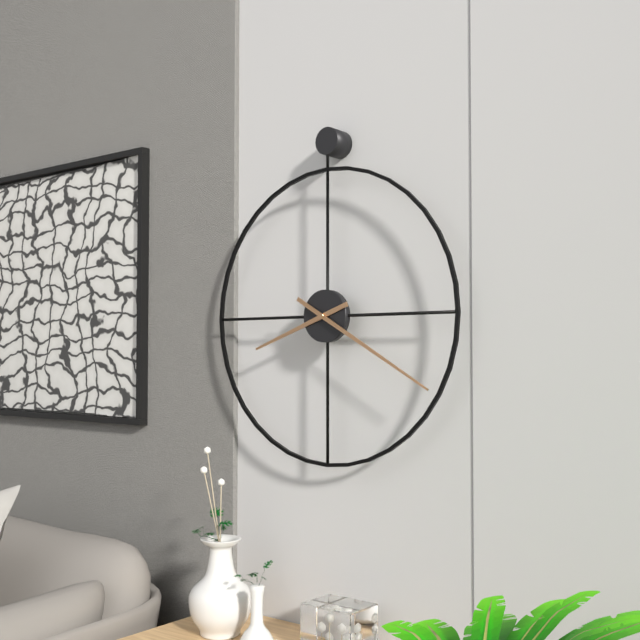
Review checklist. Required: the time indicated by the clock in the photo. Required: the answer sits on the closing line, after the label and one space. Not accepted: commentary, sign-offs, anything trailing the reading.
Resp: 8:20
